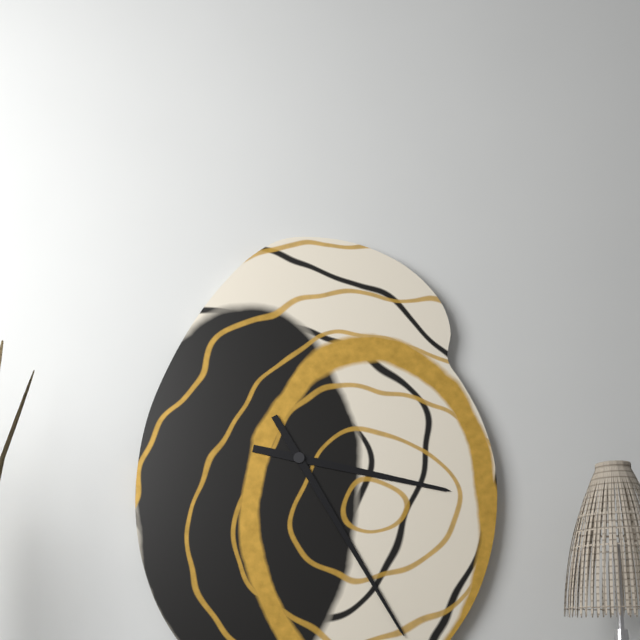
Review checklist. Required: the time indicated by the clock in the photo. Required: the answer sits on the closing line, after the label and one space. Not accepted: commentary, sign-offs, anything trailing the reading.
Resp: 3:25
